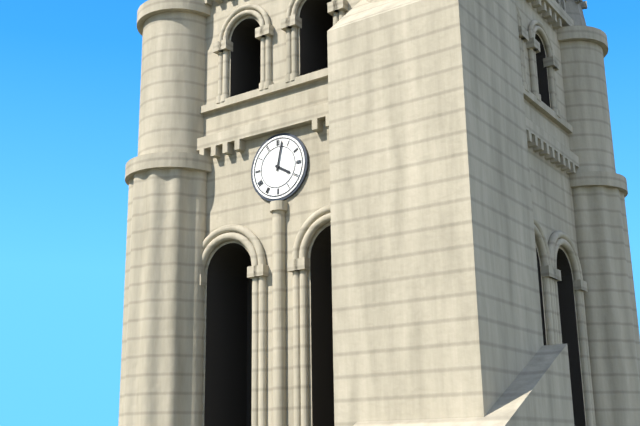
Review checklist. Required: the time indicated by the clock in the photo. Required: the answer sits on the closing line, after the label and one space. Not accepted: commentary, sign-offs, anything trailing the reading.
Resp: 4:02
